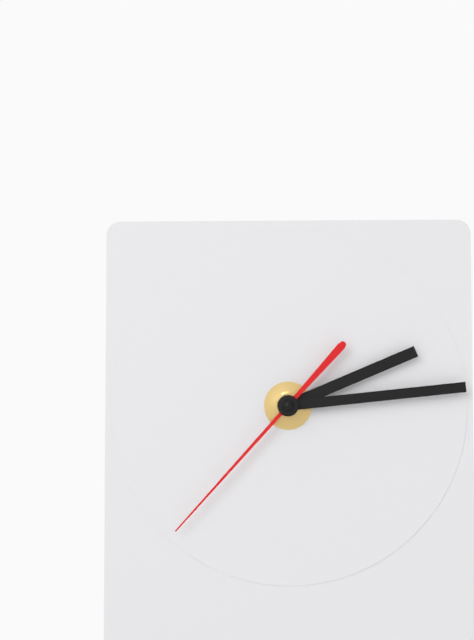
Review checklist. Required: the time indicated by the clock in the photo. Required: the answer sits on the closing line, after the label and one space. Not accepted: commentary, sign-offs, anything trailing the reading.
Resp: 2:14:37
